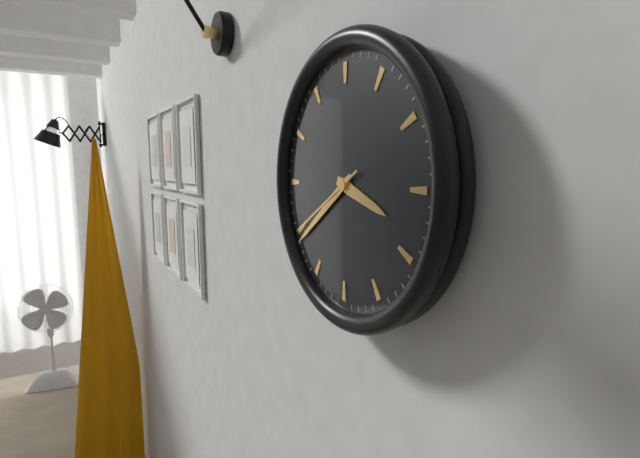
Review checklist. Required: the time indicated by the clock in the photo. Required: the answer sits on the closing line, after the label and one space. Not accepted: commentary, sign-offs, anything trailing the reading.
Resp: 3:39:40
